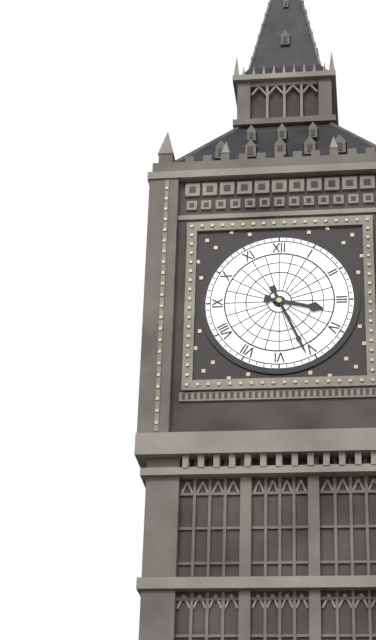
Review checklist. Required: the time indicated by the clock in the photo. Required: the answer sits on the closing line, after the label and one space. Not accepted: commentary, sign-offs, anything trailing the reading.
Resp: 3:26
